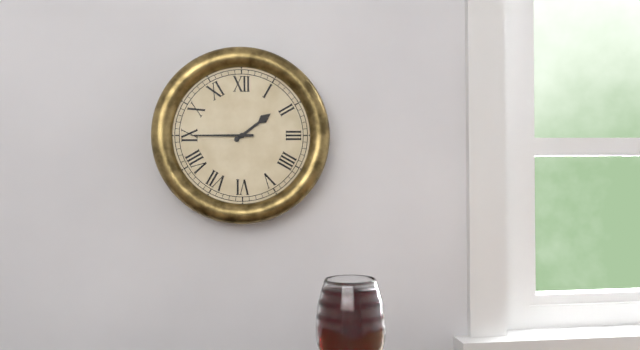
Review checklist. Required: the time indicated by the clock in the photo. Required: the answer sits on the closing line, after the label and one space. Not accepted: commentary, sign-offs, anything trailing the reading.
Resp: 1:45
